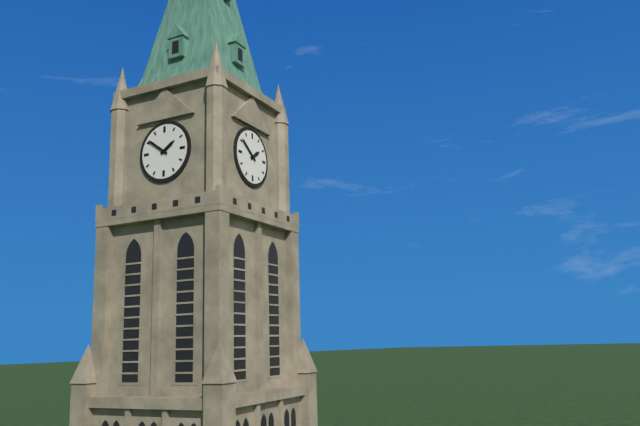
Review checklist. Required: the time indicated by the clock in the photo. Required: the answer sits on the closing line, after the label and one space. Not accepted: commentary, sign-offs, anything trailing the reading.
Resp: 1:51
